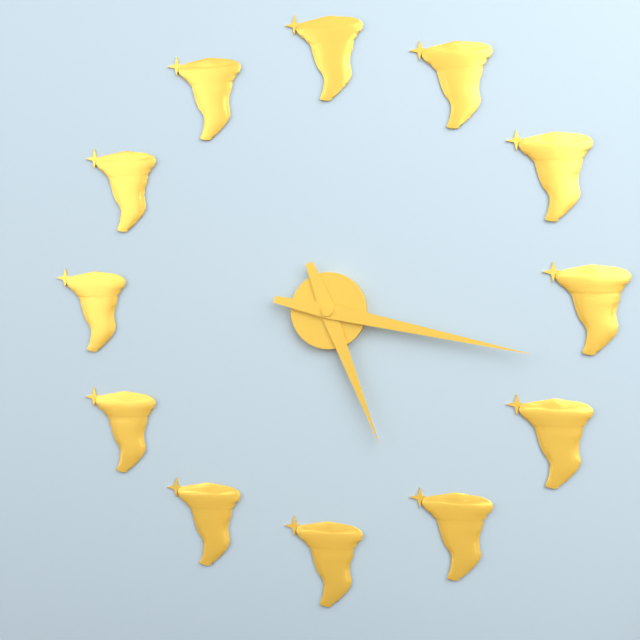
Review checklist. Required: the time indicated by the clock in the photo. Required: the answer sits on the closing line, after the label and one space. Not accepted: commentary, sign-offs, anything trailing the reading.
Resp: 5:17
